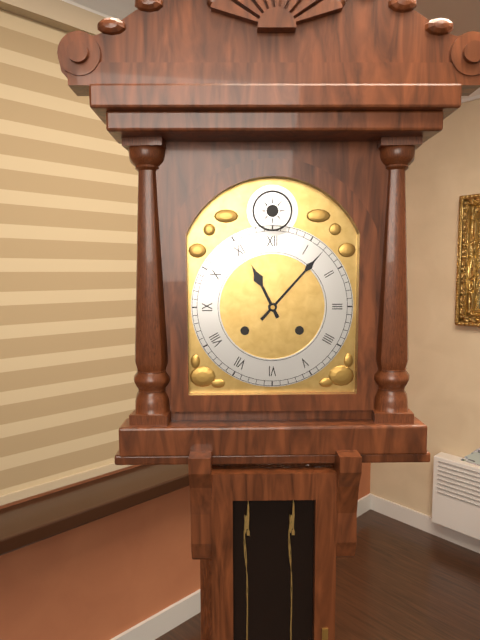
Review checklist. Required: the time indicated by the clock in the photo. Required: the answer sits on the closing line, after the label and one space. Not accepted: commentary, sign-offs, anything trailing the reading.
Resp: 11:07
